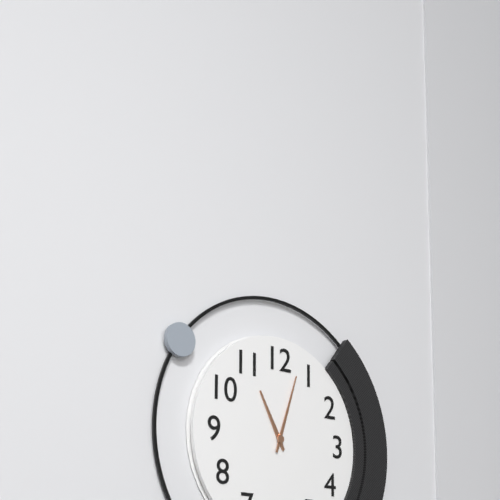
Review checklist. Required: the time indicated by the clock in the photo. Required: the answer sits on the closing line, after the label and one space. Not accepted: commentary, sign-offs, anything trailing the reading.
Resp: 11:03
